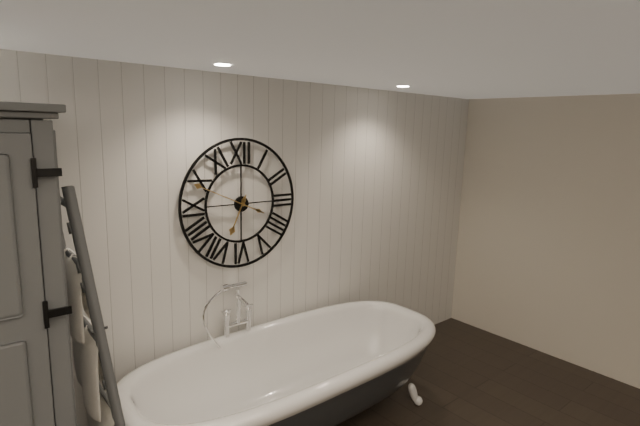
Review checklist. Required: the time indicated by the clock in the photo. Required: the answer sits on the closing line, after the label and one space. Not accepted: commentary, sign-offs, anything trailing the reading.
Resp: 6:49
